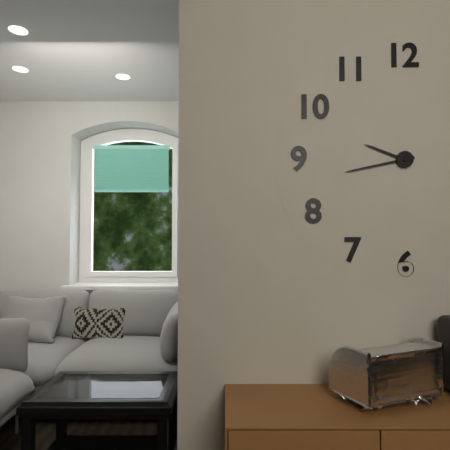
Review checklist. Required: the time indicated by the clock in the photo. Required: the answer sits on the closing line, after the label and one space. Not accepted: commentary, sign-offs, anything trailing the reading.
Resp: 9:43
